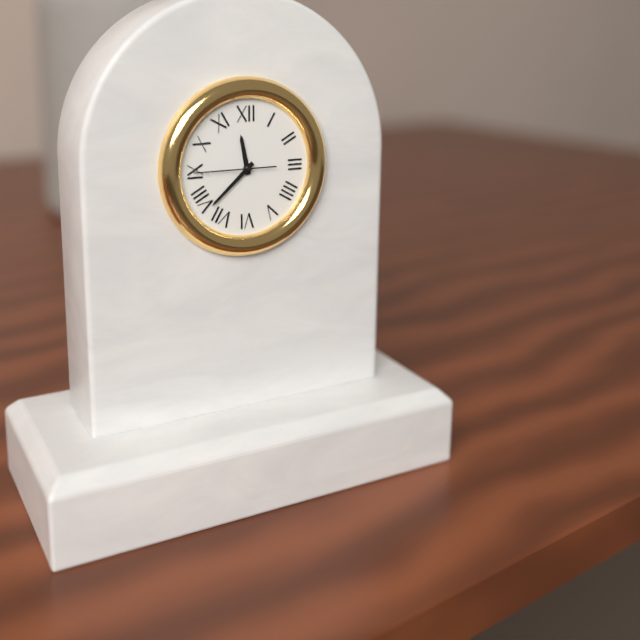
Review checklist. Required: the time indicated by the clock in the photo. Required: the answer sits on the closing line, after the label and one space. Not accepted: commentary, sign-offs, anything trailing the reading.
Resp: 11:38:45
